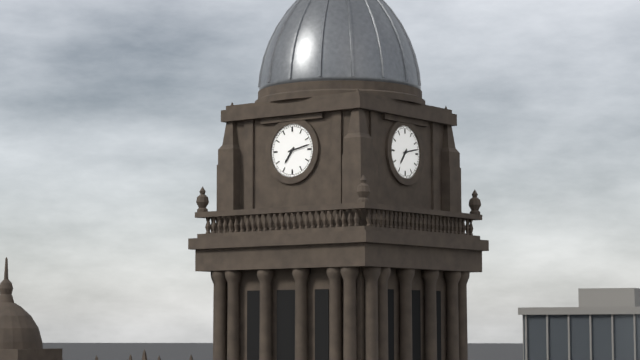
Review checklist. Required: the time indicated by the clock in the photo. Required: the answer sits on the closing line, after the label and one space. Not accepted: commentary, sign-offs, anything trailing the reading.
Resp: 7:13
